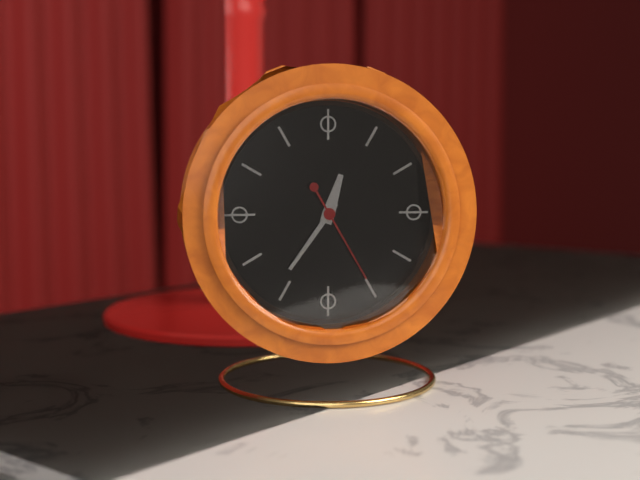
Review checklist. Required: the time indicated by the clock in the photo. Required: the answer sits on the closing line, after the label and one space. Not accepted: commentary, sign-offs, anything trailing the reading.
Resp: 12:36:25
